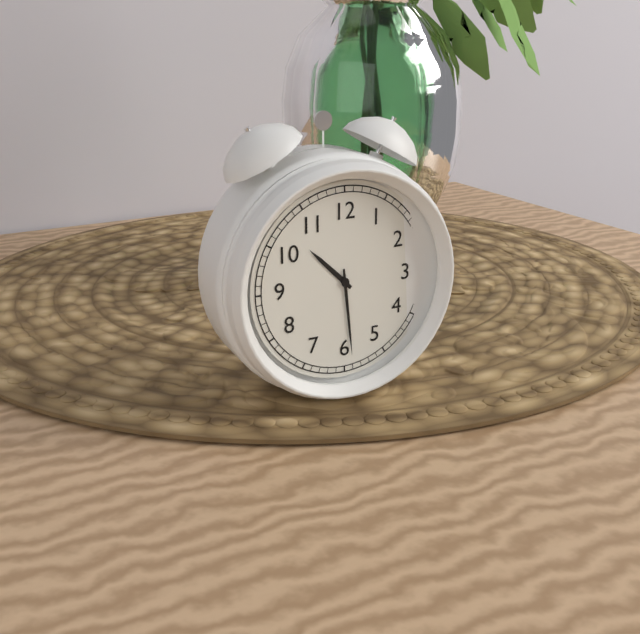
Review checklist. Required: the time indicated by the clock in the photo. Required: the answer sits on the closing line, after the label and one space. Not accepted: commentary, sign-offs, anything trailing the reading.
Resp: 10:29
